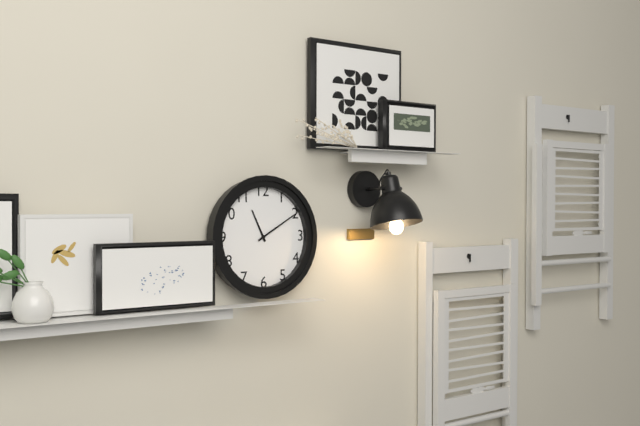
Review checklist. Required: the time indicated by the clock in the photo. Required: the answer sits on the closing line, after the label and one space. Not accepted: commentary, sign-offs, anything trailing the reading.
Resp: 11:10
